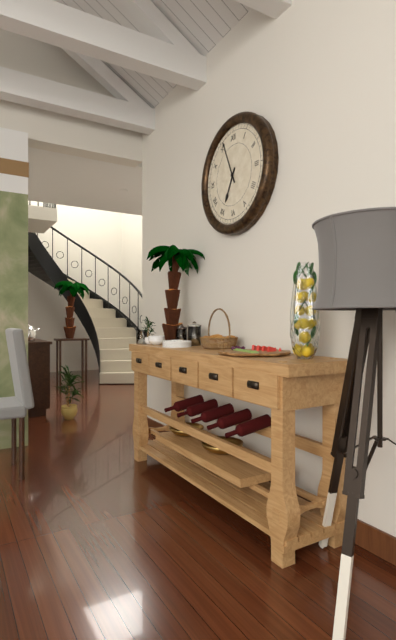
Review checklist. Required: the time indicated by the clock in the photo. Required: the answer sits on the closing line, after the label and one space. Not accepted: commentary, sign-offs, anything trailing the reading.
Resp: 6:56
